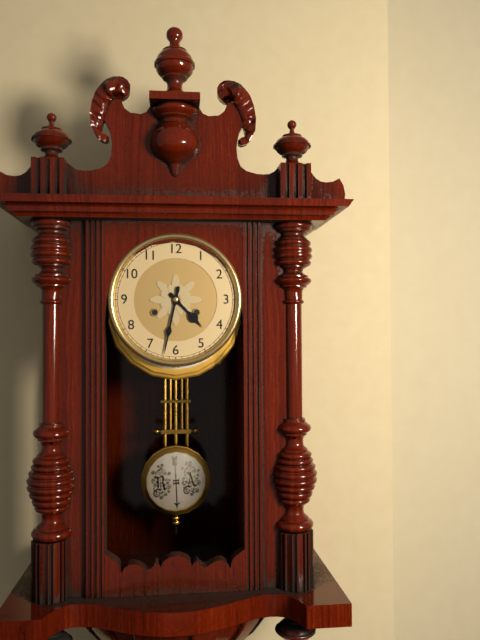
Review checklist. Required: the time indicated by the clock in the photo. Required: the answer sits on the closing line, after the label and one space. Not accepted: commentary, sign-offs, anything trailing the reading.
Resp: 4:32
